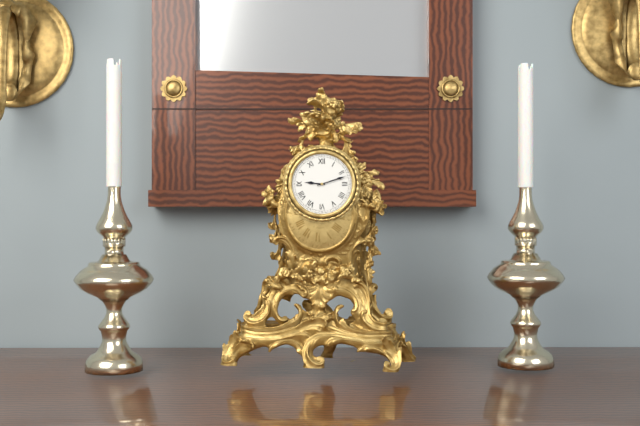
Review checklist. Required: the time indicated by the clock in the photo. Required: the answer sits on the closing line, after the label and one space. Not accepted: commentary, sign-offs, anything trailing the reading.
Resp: 9:12
